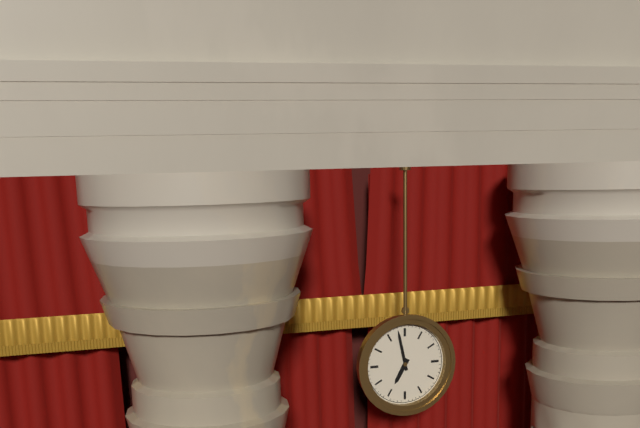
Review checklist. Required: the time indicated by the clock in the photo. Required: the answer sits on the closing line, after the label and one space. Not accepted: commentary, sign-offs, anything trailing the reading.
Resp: 6:58
